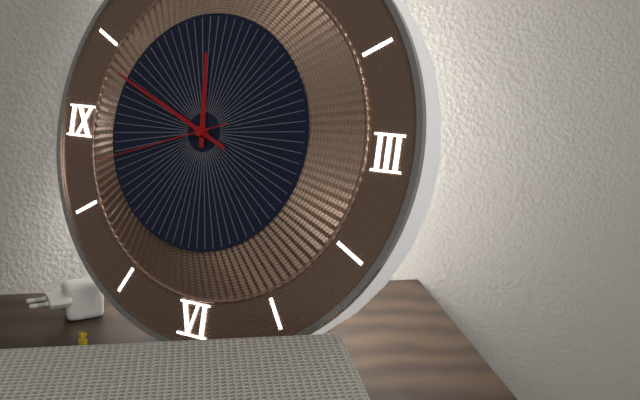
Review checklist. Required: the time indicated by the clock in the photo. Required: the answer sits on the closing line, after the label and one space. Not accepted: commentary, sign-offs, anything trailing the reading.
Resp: 11:49:42
